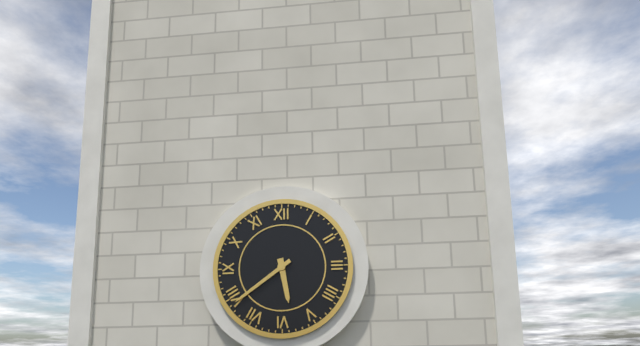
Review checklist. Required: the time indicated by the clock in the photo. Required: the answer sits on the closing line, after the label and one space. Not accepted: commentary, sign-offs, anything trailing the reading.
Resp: 5:39
